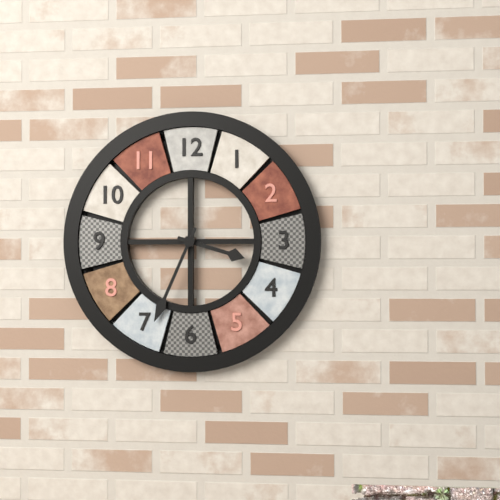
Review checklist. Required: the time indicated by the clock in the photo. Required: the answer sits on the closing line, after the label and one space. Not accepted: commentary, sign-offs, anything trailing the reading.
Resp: 3:34
